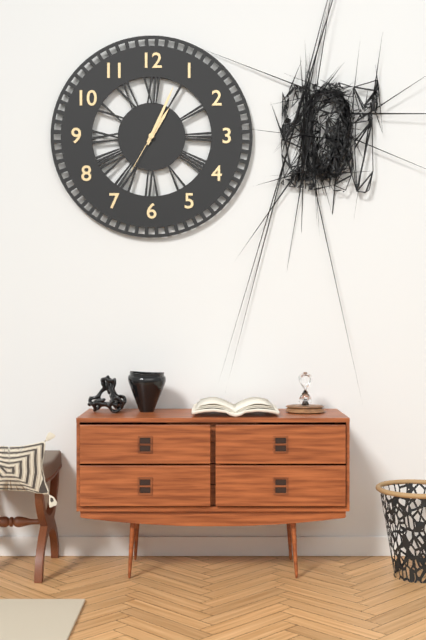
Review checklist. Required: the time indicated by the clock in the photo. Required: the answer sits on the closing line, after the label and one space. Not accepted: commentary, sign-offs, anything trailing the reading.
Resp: 1:04:35
